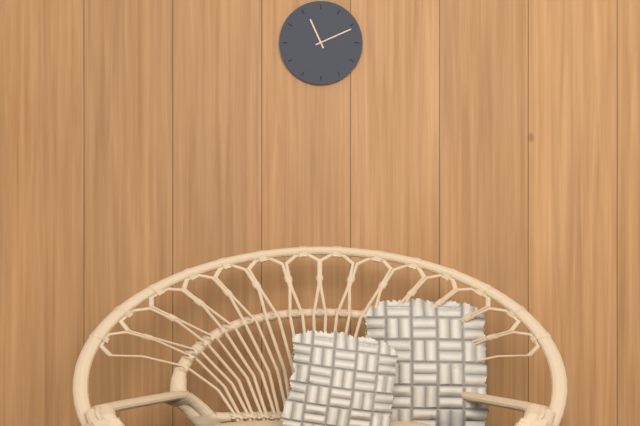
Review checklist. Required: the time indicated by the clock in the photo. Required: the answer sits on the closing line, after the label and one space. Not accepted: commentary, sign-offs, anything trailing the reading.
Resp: 11:11
